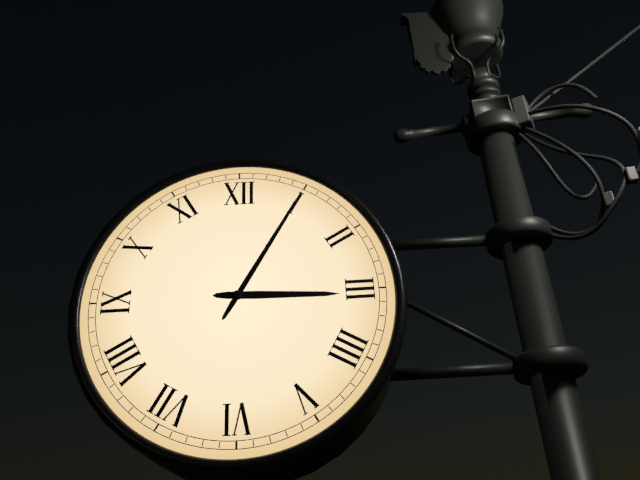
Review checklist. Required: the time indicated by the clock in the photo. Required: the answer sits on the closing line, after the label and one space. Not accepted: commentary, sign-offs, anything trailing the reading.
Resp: 3:05
